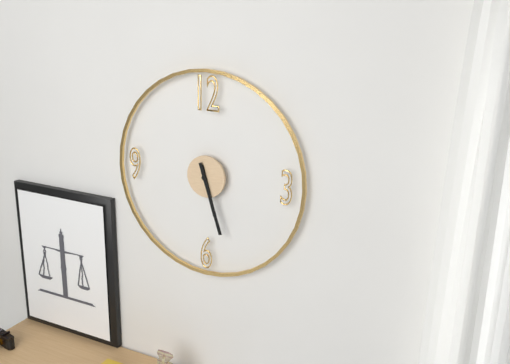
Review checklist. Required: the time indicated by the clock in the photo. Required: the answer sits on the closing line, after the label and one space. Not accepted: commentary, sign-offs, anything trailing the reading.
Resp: 5:27
